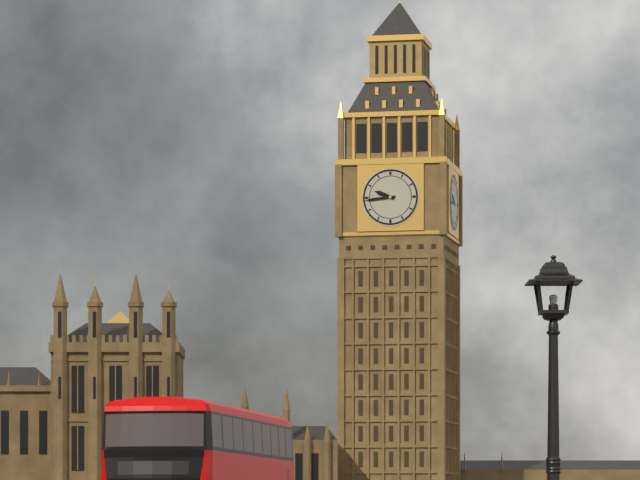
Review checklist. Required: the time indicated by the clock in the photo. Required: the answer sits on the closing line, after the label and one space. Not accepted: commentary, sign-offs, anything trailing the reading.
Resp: 9:44
